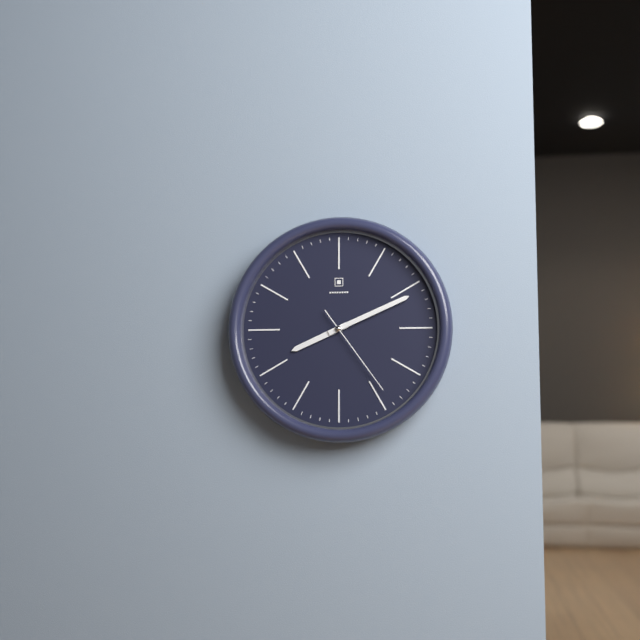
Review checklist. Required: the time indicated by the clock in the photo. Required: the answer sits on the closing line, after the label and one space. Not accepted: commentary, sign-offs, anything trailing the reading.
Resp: 8:11:24
